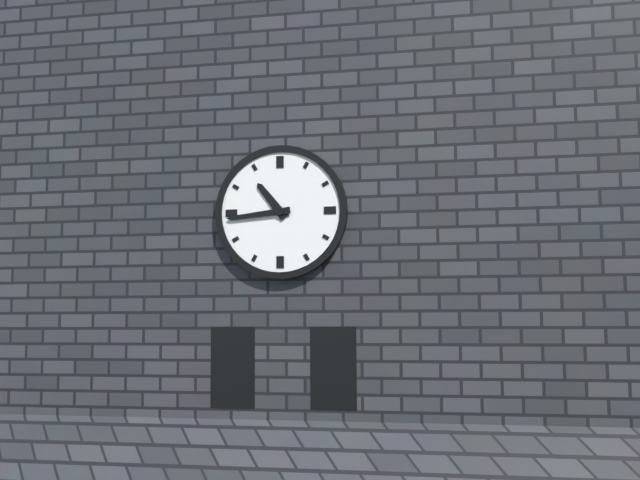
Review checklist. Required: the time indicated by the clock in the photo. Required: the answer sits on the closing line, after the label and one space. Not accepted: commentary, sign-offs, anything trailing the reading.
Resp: 10:44
